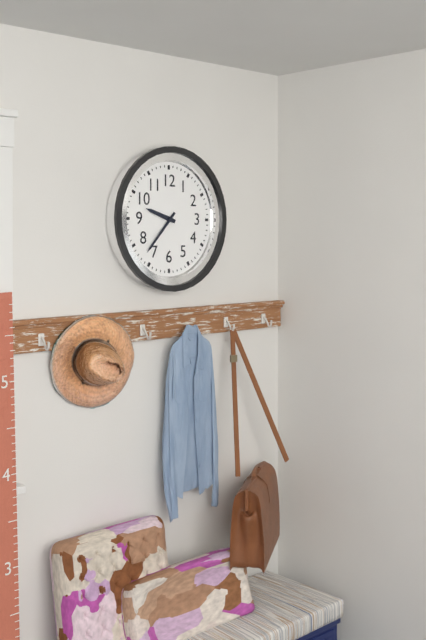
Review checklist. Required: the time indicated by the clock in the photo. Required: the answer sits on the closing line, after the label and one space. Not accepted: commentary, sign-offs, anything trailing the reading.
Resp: 9:37
